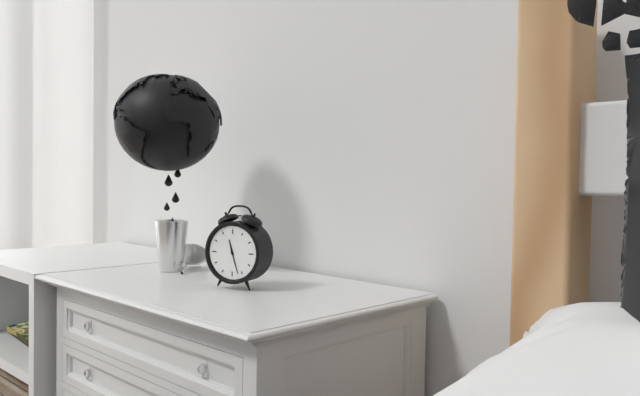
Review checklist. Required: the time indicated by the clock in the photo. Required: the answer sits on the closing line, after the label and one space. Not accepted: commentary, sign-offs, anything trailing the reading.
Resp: 11:27
